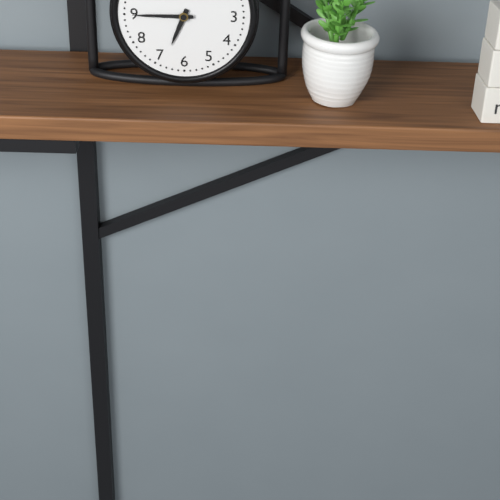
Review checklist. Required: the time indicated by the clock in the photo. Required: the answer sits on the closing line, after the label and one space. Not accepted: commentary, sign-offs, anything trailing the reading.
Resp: 6:45
